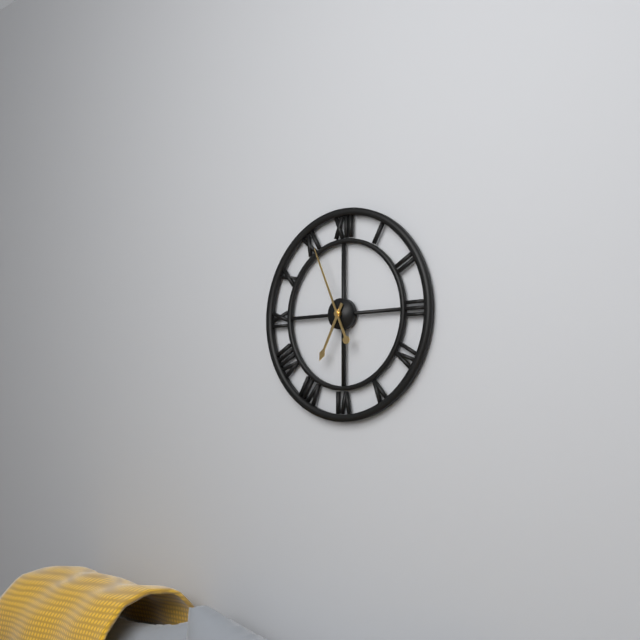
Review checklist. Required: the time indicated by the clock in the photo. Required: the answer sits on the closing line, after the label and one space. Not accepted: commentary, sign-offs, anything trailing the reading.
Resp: 6:56
